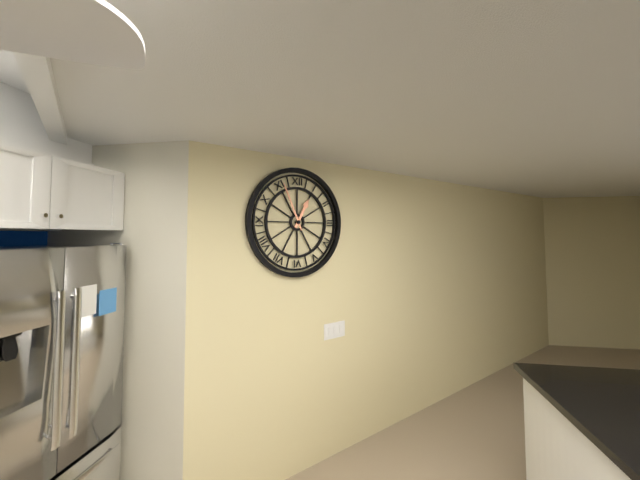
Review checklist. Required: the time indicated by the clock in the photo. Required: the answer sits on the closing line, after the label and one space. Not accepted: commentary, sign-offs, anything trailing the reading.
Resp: 12:56
